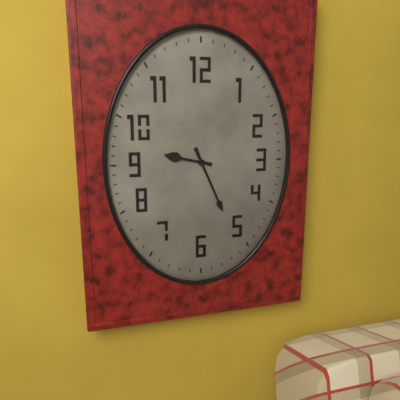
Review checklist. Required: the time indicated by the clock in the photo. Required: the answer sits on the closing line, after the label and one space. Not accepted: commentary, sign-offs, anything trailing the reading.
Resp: 9:26
